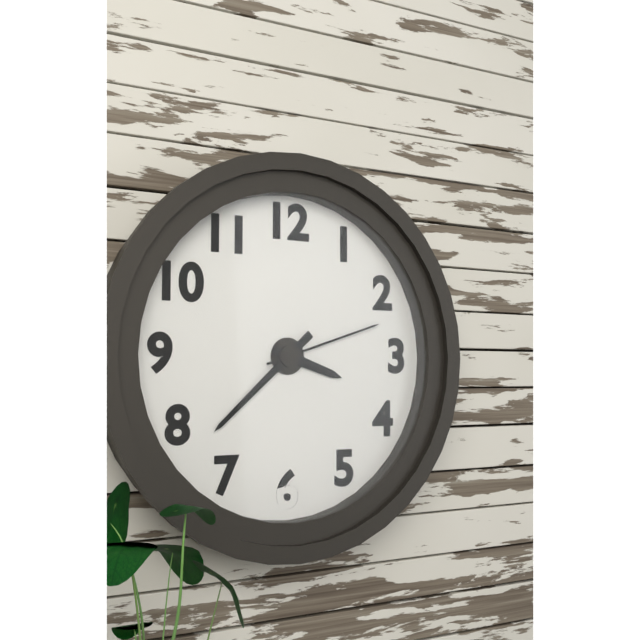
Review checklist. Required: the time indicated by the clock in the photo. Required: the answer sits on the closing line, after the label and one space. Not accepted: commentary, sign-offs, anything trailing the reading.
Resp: 3:38:12
